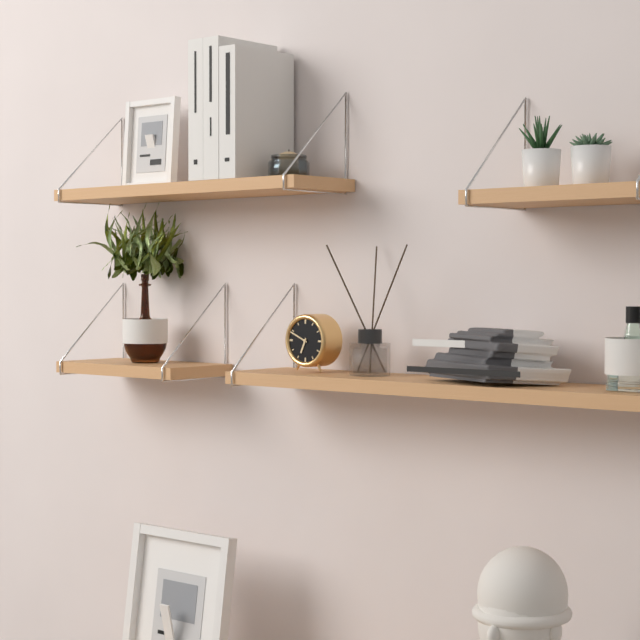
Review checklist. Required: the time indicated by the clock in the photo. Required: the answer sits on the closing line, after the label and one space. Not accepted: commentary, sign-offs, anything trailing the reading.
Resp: 6:49
